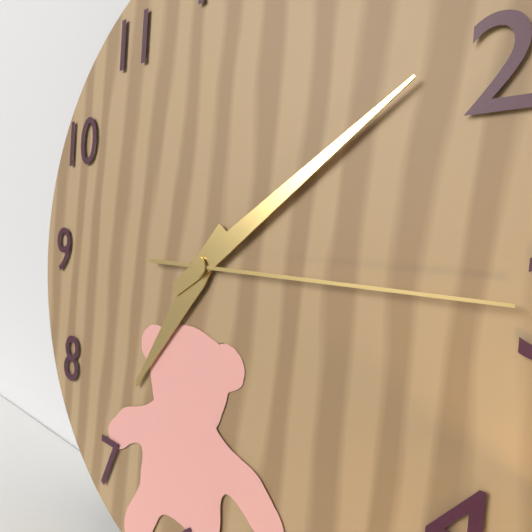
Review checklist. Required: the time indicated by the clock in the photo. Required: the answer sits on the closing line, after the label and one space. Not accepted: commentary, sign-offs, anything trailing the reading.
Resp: 7:09:15
